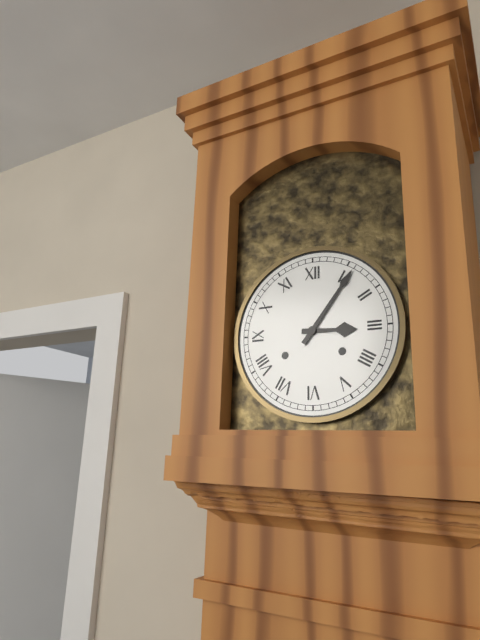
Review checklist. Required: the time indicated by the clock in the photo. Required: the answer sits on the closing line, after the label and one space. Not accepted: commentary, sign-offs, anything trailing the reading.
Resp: 3:06
